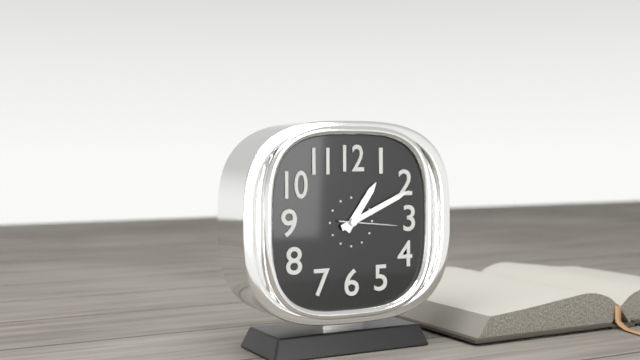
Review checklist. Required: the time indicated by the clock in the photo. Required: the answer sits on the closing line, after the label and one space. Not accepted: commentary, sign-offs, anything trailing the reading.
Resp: 1:11:16
